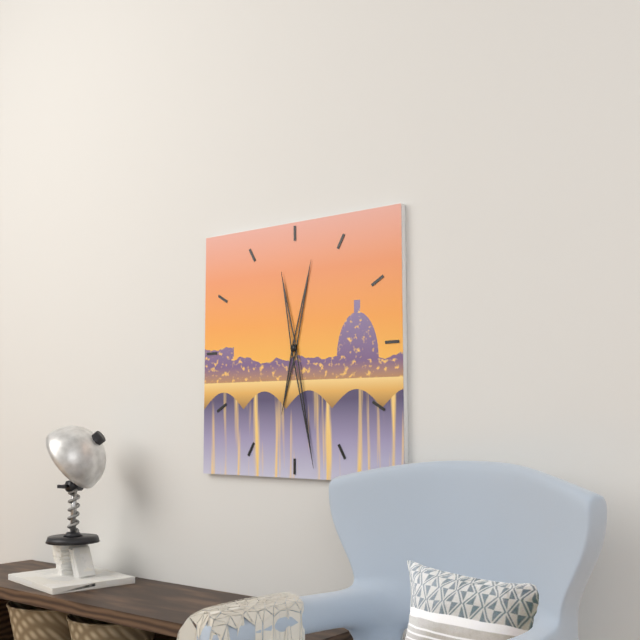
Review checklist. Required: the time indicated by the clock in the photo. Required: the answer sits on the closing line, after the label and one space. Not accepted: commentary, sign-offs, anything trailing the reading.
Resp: 12:28
